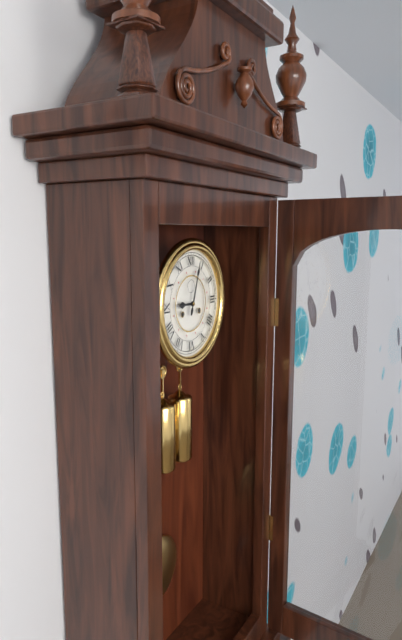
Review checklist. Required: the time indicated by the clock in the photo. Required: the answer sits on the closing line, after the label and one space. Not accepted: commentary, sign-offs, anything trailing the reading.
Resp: 9:03
